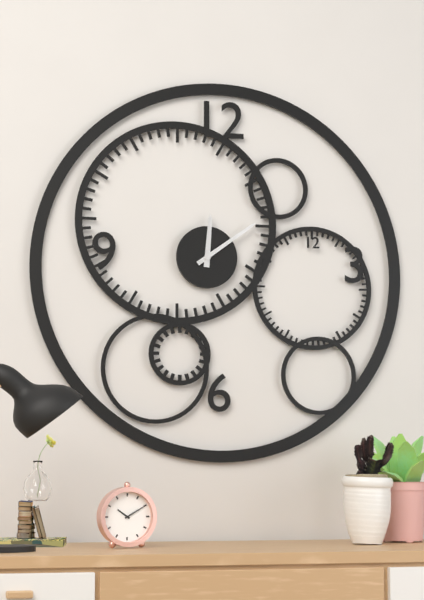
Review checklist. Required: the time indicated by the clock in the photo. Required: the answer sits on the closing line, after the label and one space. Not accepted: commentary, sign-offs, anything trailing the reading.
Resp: 12:09
